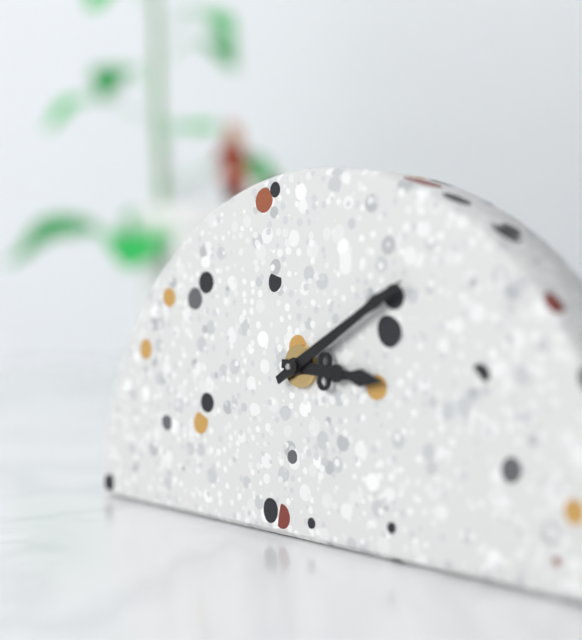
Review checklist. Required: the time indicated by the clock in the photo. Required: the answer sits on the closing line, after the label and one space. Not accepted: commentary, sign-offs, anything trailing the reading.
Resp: 3:10
